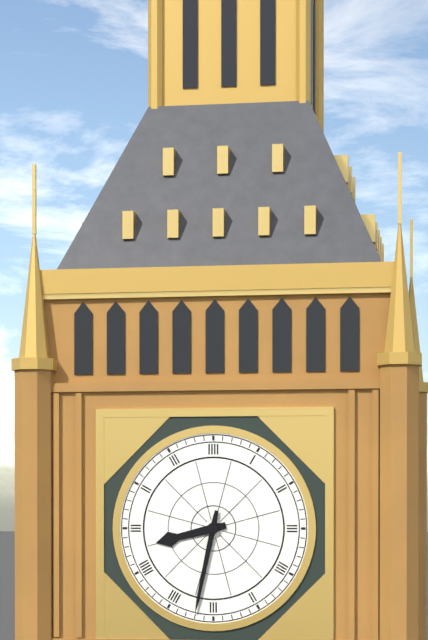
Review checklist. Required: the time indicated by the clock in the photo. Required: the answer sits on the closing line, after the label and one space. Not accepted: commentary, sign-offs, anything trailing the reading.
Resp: 8:32
